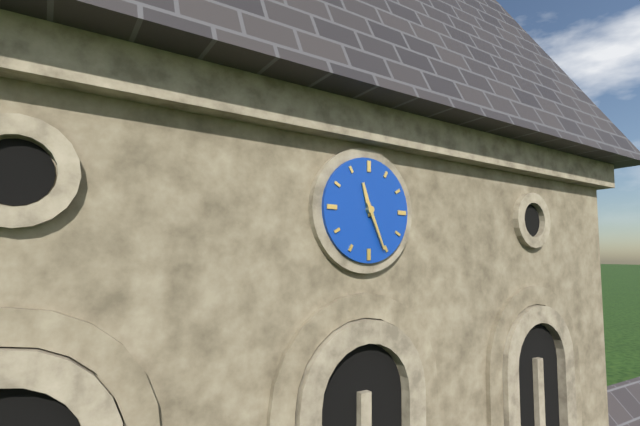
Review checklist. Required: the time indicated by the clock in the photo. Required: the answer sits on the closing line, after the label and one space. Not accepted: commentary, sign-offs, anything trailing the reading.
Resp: 11:26
